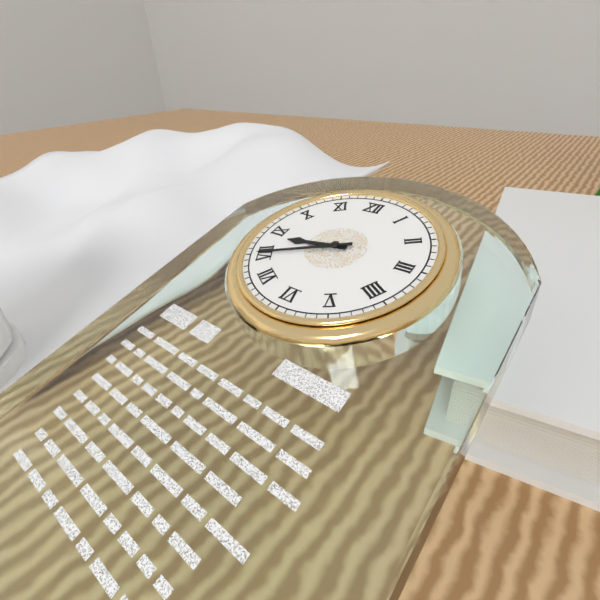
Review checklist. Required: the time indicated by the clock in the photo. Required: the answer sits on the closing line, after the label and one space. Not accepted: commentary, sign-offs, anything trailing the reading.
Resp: 8:40
